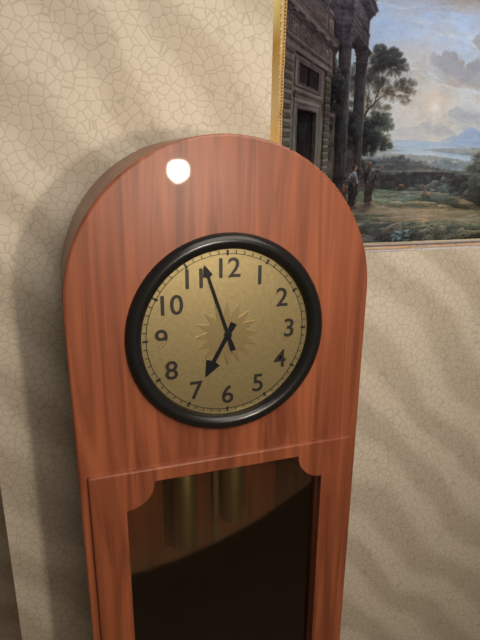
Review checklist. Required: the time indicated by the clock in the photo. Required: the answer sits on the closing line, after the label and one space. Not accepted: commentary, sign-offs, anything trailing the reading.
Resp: 6:57
